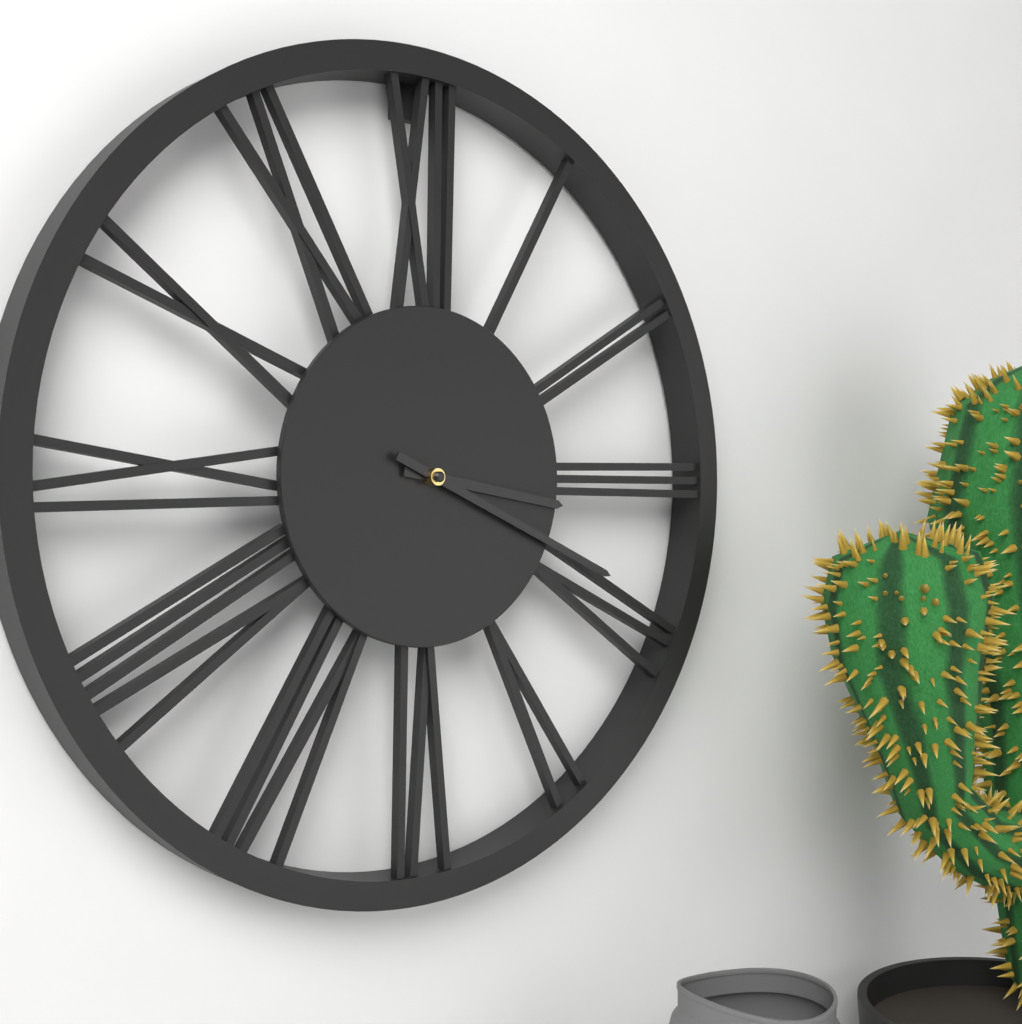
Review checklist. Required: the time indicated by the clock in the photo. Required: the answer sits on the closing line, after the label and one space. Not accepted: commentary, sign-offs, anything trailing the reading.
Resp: 3:19
